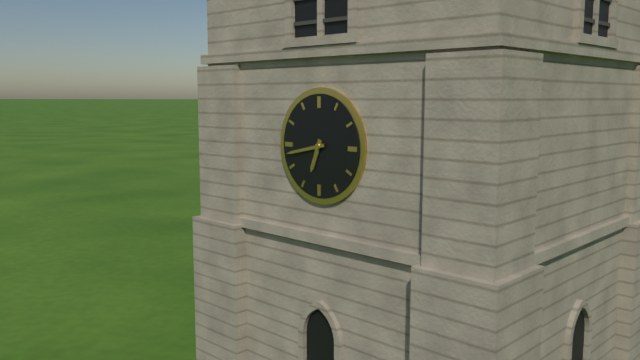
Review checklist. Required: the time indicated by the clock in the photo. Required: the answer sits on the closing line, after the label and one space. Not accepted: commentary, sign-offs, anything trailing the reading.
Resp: 6:43
